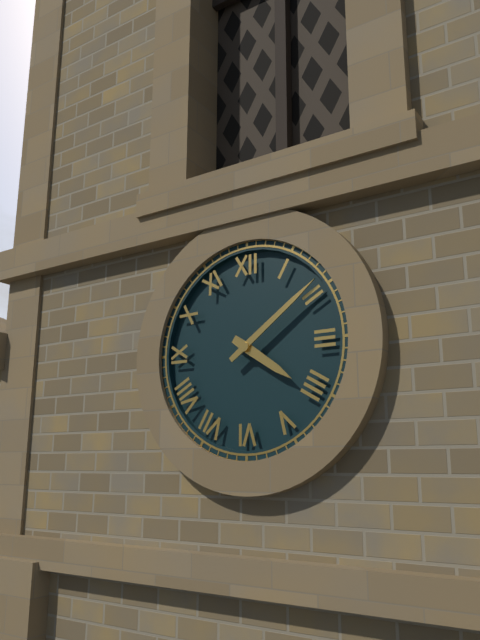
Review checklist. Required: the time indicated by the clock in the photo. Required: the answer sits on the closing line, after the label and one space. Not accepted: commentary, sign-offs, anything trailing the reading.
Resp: 4:09
